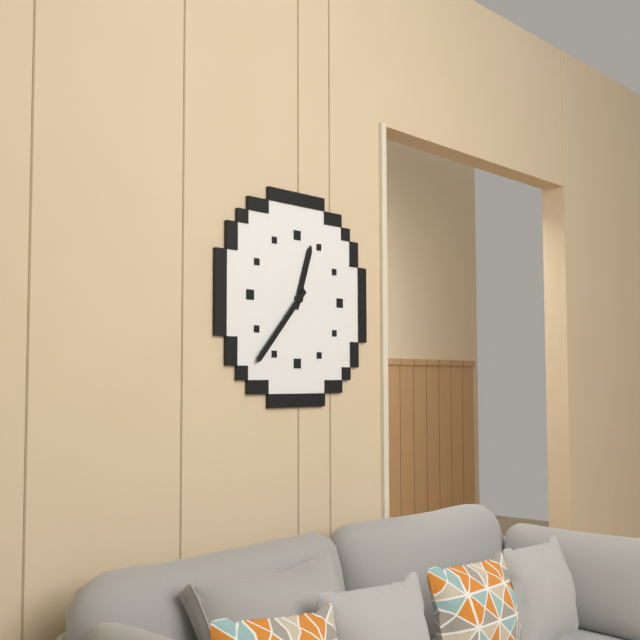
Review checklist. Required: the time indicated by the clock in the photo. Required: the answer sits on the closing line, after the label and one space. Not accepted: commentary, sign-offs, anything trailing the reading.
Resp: 12:37
